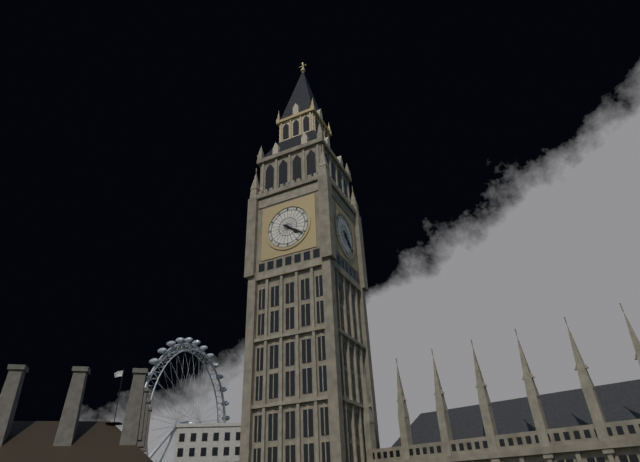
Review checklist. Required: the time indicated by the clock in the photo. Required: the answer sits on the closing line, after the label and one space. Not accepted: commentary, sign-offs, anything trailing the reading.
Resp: 4:21
